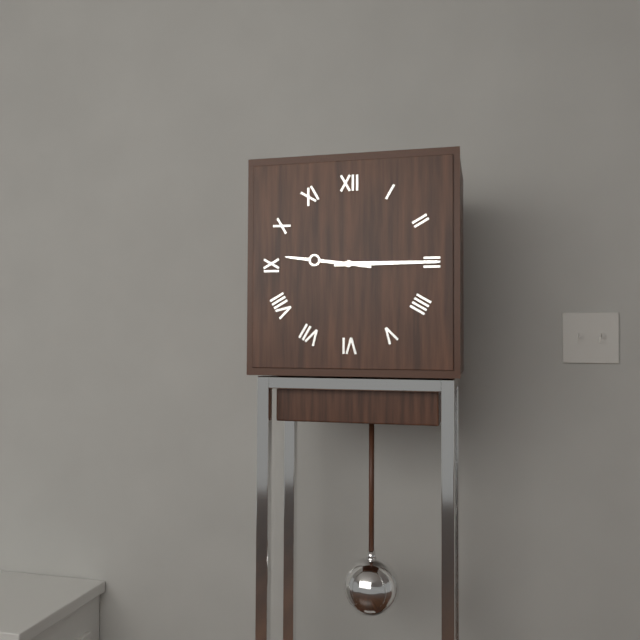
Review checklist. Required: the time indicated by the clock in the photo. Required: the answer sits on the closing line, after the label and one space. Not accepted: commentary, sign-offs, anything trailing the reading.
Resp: 9:15
